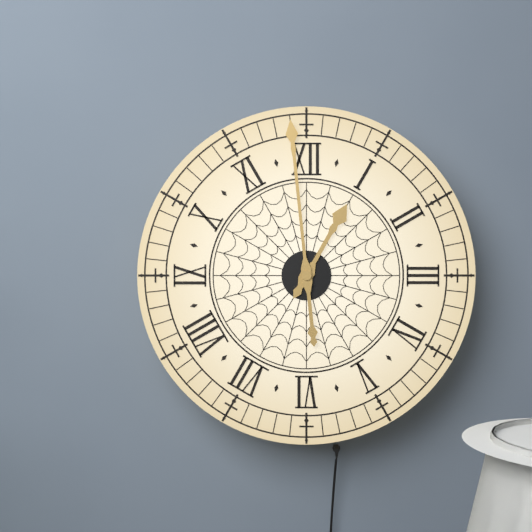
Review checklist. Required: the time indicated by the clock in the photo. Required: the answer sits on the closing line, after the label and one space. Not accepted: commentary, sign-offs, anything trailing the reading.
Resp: 12:59
